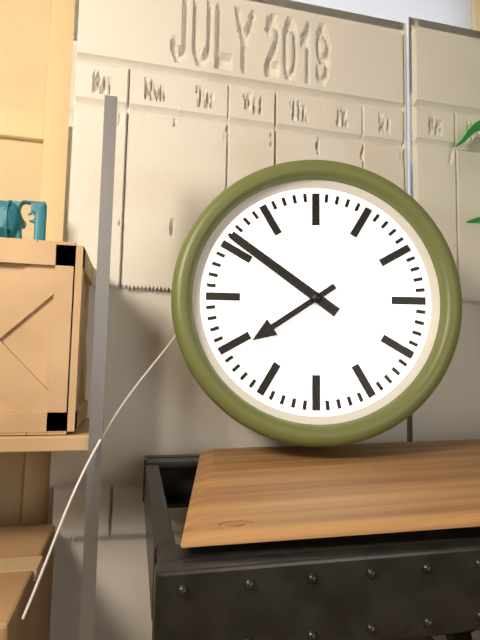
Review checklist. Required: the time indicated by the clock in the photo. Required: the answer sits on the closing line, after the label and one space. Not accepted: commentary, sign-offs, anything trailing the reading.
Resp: 7:51
